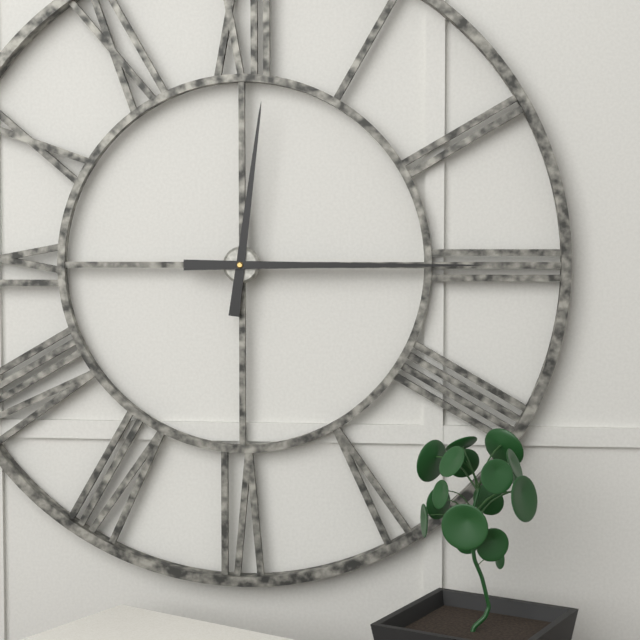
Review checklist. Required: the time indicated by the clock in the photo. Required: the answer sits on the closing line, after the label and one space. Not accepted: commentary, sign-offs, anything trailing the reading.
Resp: 12:15
